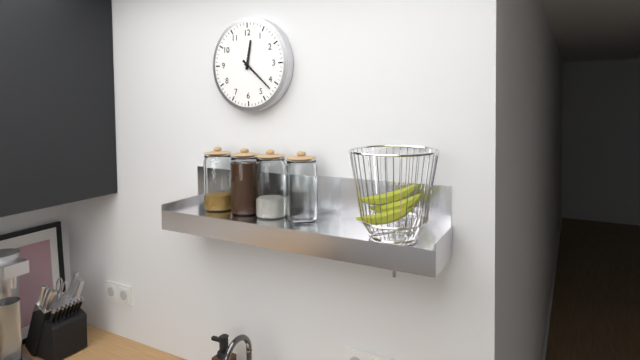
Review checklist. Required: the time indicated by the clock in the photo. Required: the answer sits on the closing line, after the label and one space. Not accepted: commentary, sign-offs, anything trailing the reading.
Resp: 12:22
